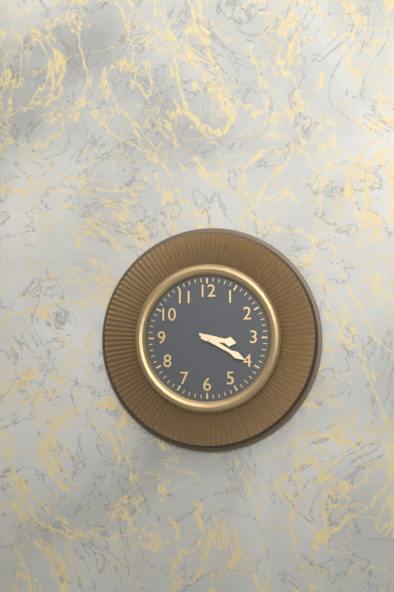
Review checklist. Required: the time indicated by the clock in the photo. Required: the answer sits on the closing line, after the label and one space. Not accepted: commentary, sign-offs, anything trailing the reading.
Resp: 3:20
